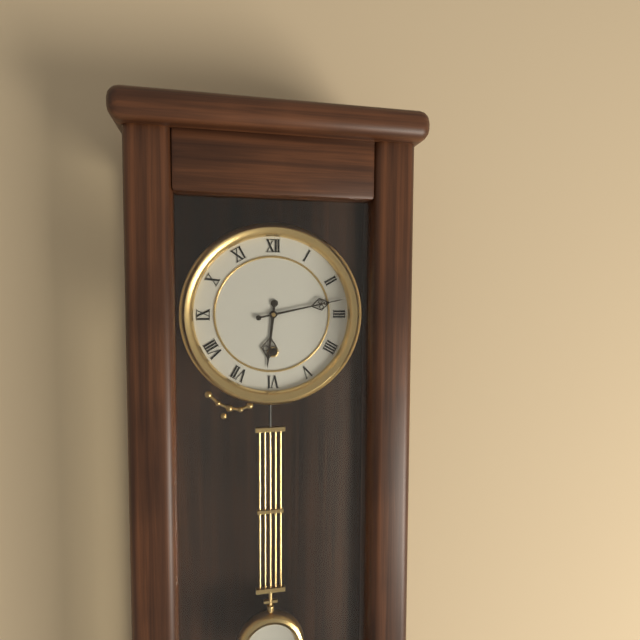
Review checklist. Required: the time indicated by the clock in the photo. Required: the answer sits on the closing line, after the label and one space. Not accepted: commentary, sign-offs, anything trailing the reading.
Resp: 6:13
